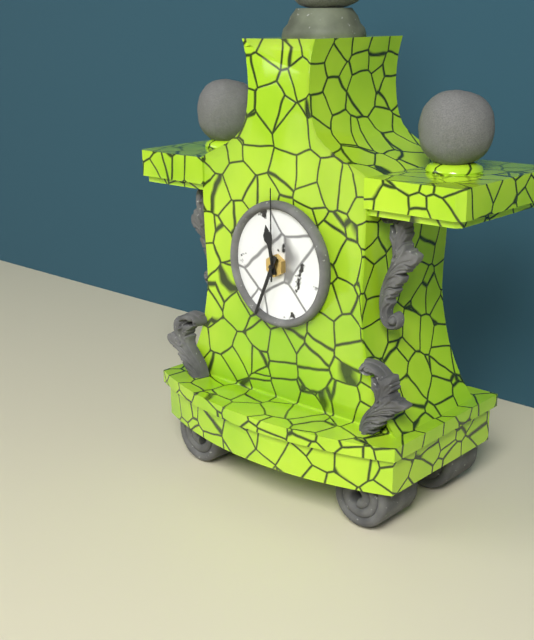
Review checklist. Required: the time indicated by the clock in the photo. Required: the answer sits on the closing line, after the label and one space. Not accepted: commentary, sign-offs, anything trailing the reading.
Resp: 11:34:00
